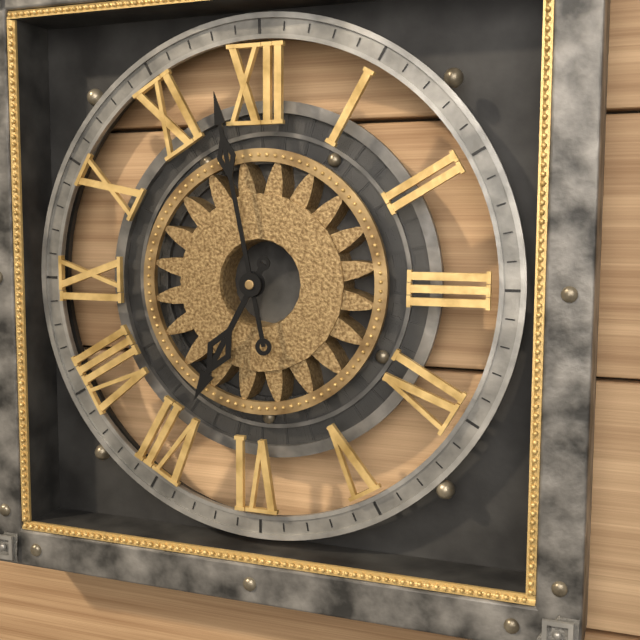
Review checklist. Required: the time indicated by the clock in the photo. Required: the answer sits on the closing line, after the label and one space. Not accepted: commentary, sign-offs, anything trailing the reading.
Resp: 6:58
